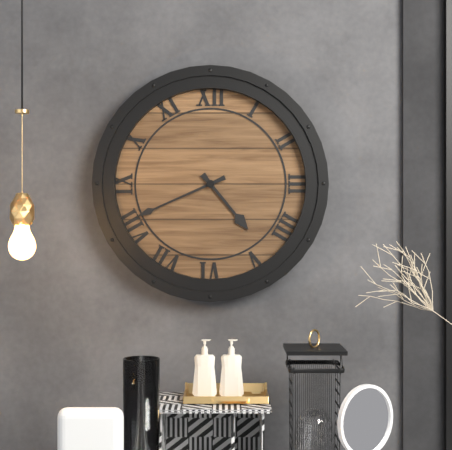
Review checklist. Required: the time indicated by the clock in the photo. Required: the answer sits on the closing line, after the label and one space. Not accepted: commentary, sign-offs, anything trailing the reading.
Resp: 4:41
